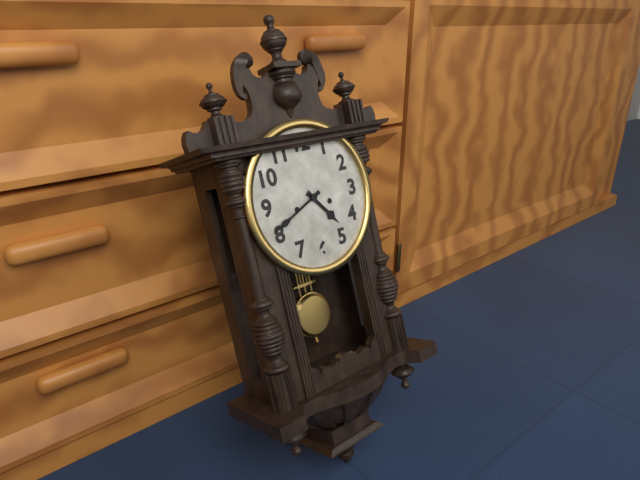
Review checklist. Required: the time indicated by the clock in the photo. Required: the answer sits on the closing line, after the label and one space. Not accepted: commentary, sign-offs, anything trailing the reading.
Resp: 4:41
